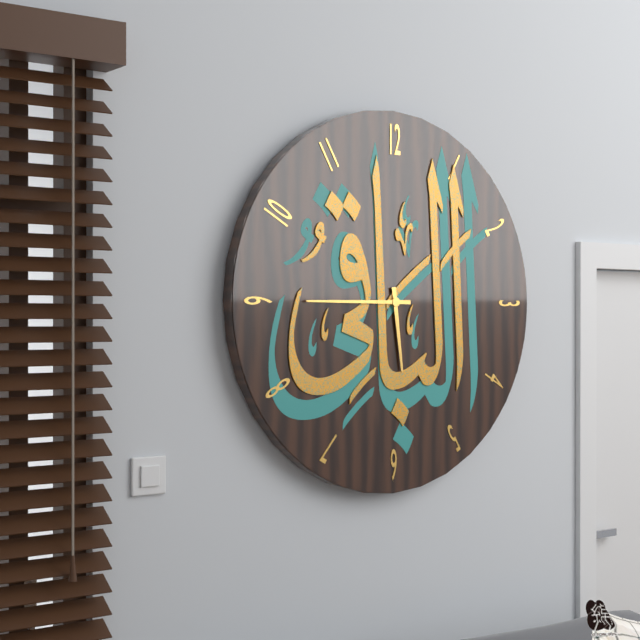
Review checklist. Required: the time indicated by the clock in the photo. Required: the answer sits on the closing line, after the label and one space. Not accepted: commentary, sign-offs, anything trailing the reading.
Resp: 5:45
